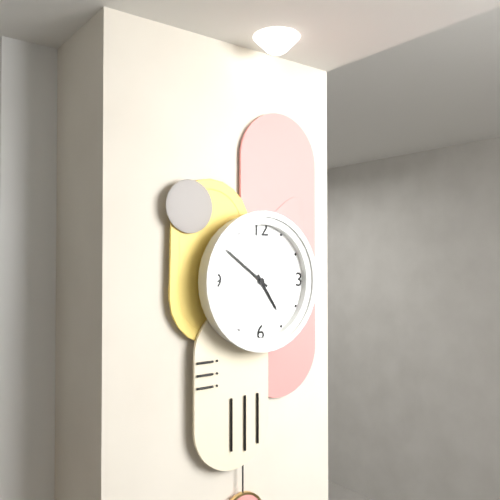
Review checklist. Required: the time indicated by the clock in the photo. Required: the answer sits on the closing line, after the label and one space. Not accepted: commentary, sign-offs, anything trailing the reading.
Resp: 4:51
